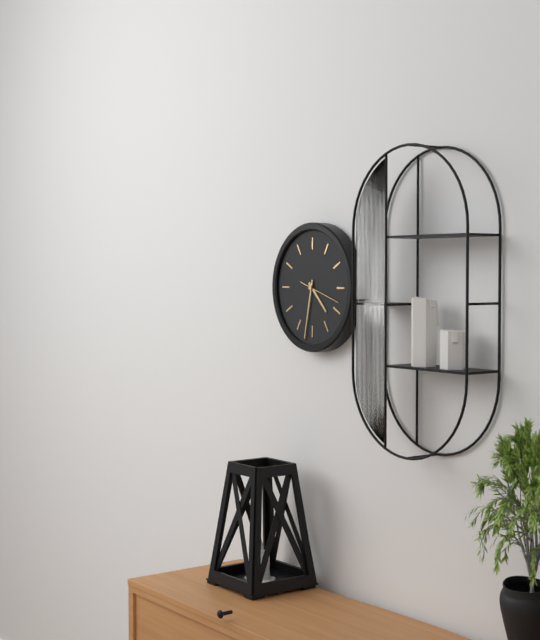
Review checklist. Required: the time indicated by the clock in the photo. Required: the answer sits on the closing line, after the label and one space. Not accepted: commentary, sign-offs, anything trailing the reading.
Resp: 4:32
